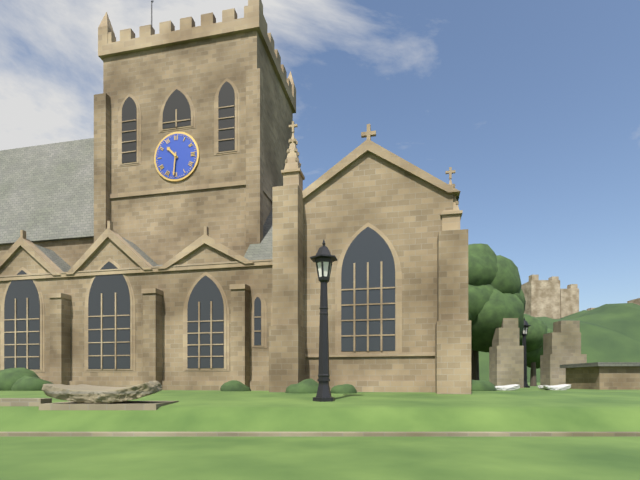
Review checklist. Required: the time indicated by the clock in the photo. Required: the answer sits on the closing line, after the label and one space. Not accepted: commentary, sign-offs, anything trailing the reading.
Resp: 10:31
